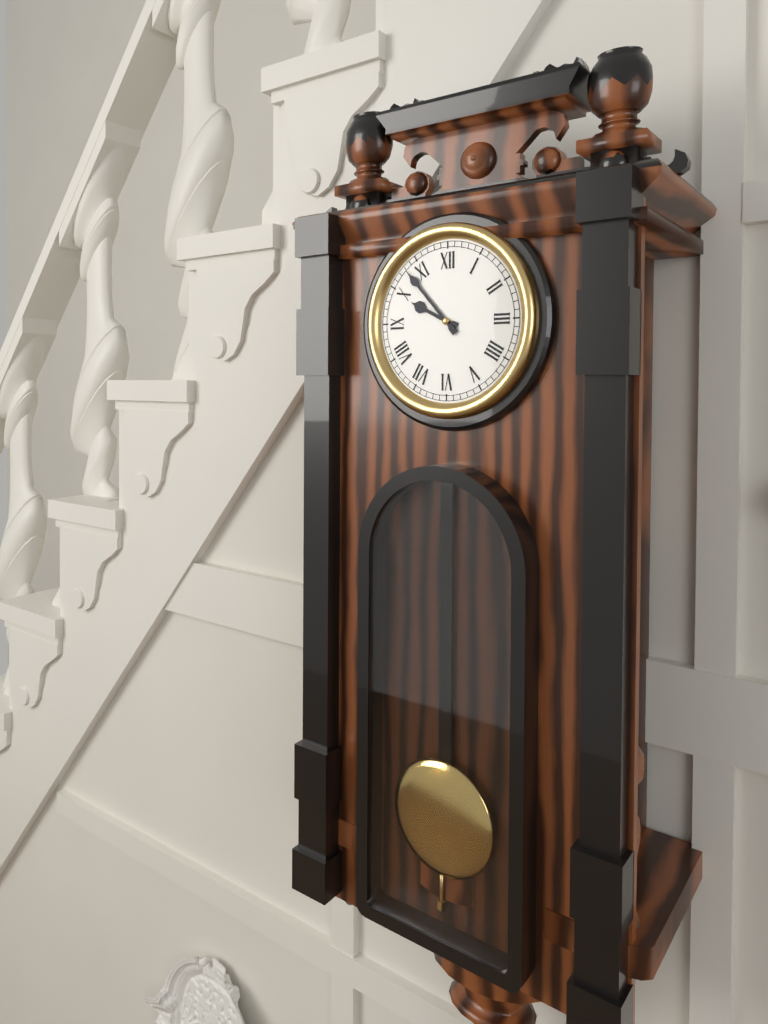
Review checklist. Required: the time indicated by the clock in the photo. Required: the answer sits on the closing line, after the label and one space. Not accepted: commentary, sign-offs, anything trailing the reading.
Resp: 9:53
